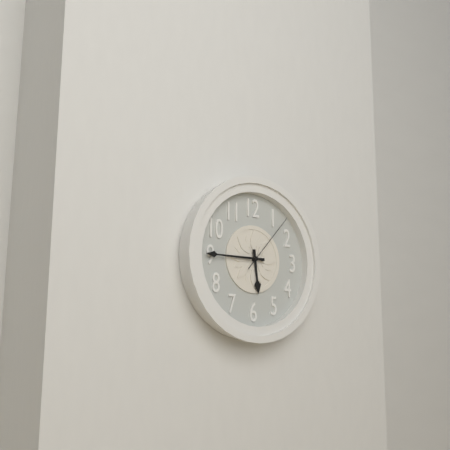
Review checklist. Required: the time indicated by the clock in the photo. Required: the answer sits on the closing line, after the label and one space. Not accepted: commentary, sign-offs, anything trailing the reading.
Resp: 5:45:07
